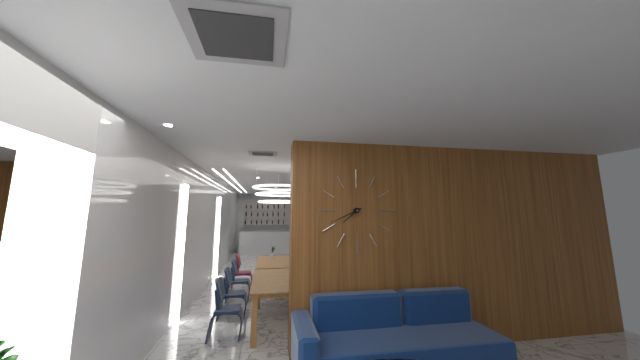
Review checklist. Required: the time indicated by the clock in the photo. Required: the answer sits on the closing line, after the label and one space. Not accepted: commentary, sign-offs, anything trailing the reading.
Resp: 7:41
